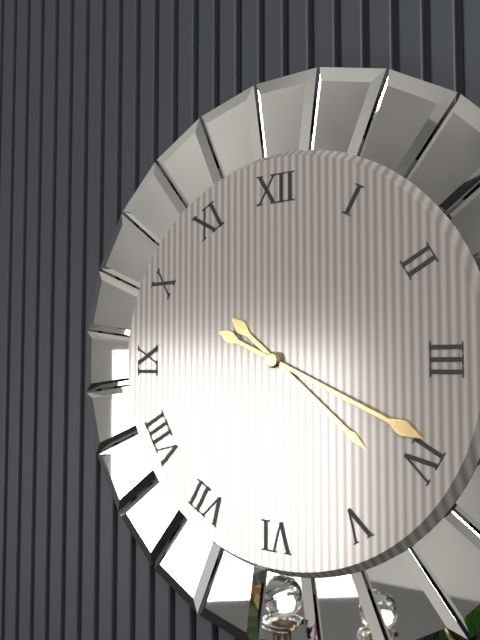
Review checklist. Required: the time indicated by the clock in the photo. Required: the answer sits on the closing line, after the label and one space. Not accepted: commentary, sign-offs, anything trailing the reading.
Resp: 4:19
